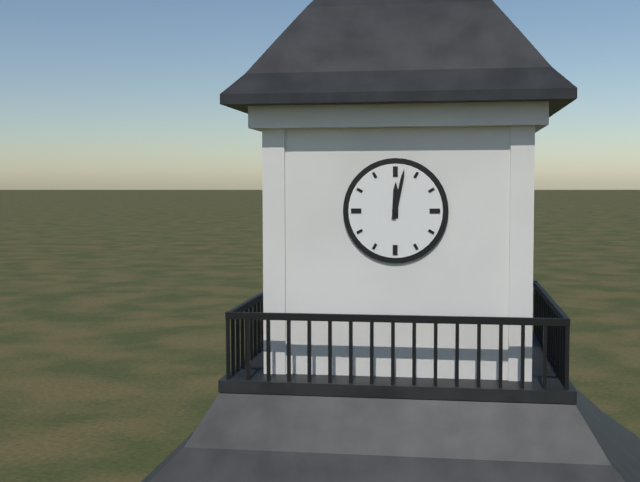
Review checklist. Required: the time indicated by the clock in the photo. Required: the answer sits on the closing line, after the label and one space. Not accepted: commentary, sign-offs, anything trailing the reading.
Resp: 12:02
